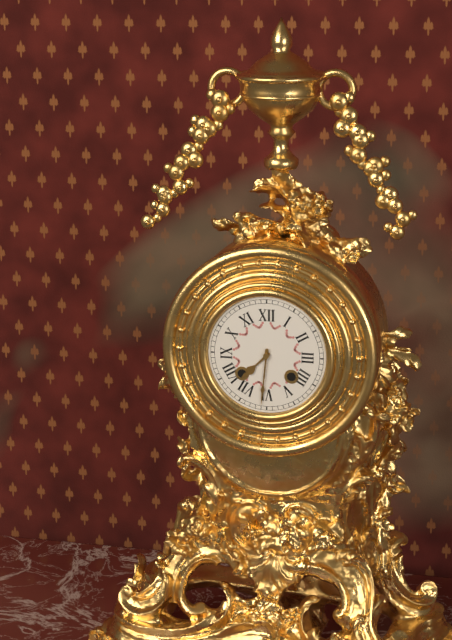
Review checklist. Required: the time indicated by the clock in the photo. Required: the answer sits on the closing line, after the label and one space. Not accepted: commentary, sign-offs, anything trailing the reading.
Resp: 7:31
